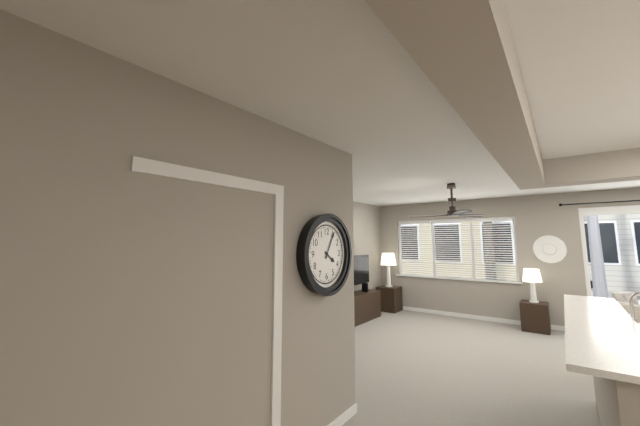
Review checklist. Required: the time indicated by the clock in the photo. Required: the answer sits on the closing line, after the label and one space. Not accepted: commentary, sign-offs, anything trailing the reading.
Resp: 4:05
